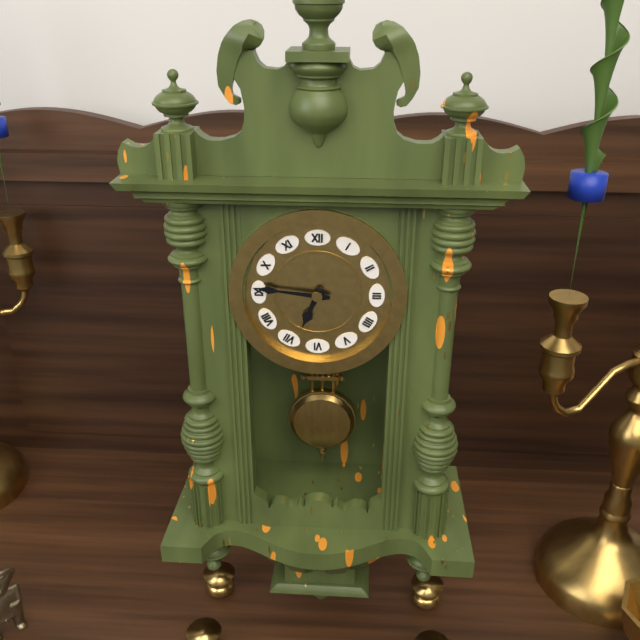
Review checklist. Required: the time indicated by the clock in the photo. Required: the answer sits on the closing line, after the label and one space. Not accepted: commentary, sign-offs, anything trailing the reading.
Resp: 6:46
